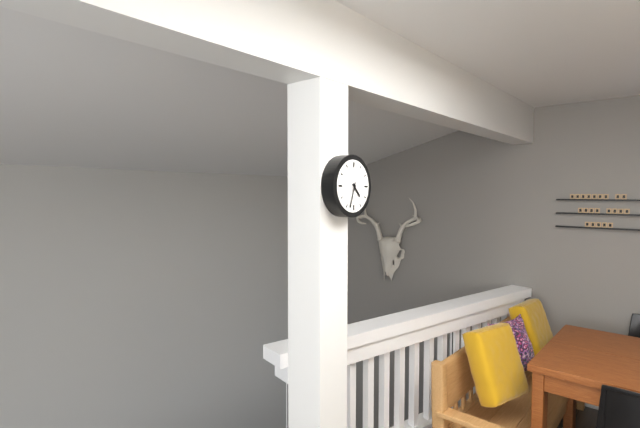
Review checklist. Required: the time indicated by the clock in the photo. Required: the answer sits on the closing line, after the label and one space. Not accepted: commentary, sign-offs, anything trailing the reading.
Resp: 4:33
